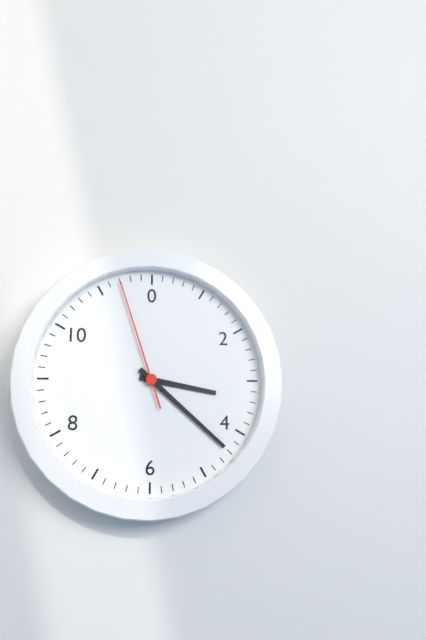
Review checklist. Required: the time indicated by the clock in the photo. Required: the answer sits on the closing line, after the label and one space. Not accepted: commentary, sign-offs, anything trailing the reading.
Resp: 3:22:57
